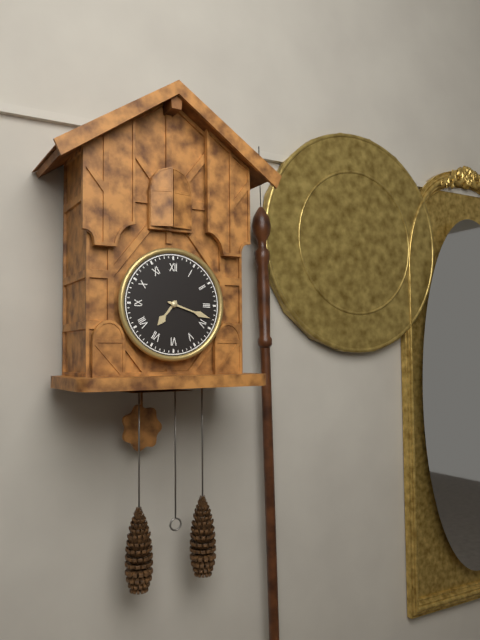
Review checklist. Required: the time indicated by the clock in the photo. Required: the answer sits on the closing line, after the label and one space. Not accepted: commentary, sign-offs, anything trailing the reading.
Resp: 7:18
